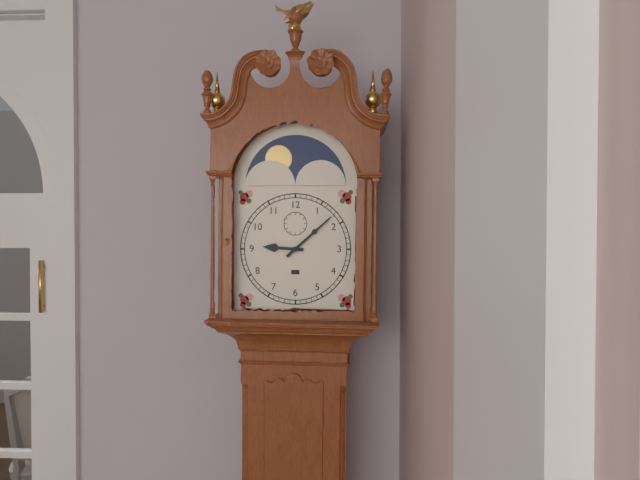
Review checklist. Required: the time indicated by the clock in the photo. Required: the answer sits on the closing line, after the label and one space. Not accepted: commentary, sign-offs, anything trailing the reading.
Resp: 9:08
